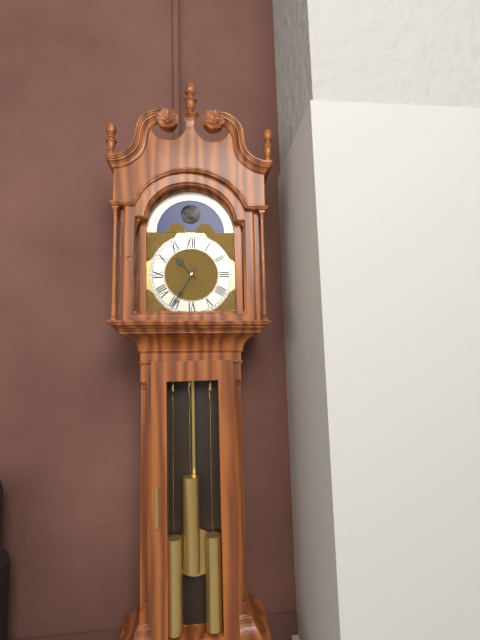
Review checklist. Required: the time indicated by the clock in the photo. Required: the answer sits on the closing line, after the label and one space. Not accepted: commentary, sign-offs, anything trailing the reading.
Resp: 10:35
